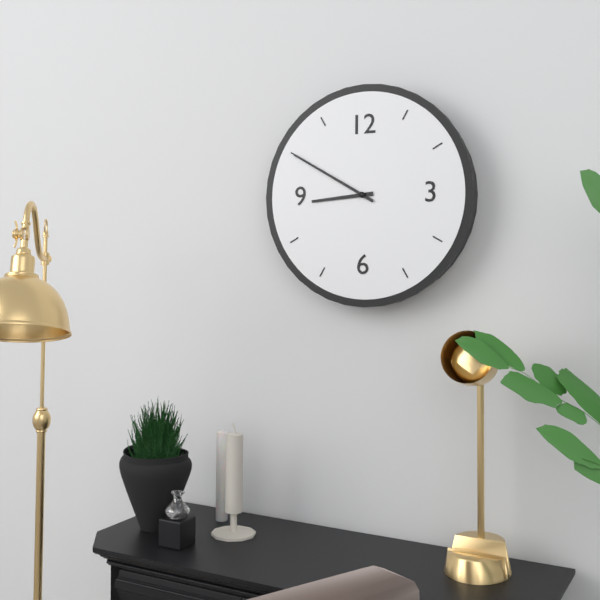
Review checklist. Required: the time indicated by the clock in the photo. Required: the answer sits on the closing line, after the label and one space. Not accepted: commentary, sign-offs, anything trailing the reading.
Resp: 8:50
